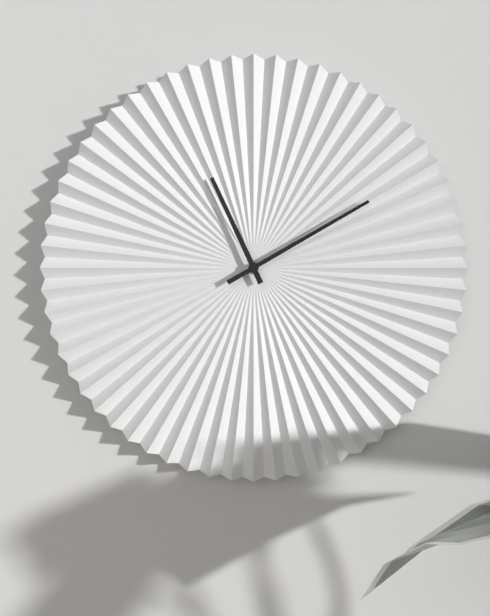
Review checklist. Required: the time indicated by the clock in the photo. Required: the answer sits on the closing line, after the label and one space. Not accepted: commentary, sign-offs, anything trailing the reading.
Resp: 11:10
